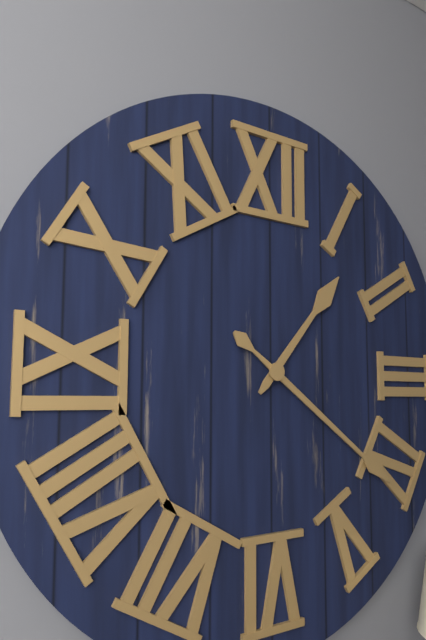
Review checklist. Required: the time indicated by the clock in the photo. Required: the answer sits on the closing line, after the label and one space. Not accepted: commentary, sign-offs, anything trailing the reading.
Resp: 1:21
